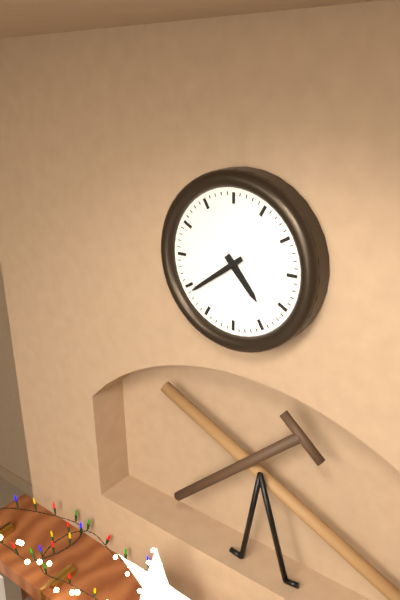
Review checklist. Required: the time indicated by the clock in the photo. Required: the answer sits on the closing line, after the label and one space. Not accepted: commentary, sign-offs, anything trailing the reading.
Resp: 4:39
